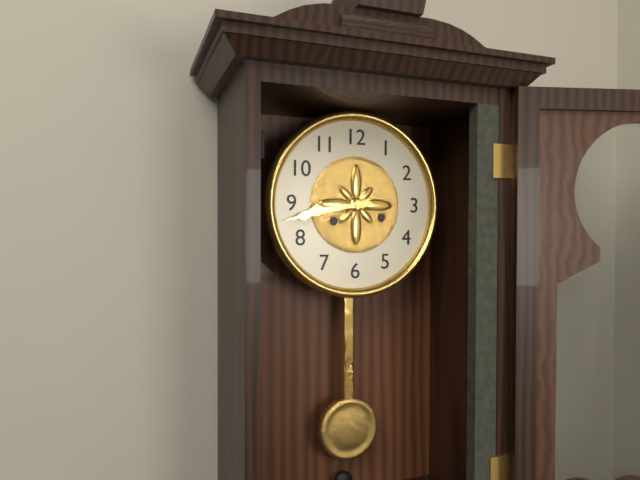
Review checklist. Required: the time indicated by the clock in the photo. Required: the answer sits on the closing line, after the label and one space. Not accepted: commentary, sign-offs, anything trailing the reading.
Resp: 8:43
